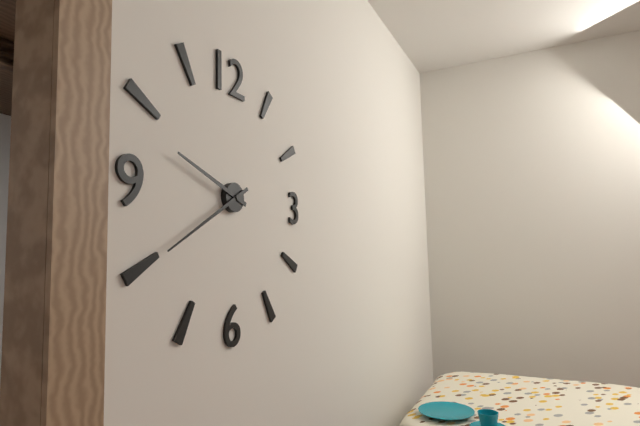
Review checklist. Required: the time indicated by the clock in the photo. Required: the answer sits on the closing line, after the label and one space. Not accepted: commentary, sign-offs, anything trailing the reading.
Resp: 9:40
